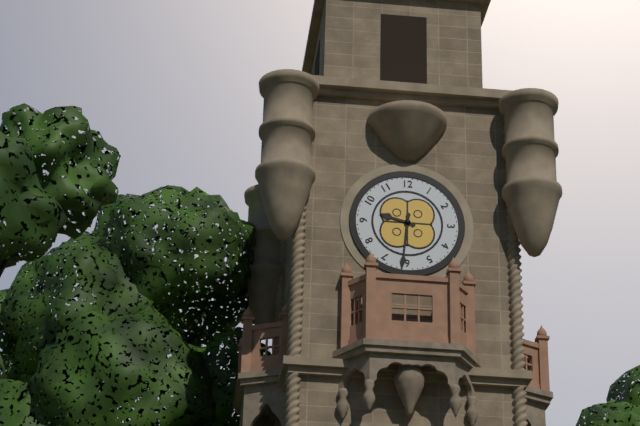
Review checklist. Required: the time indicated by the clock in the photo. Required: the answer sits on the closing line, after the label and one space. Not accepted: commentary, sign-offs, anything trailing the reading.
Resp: 9:31
